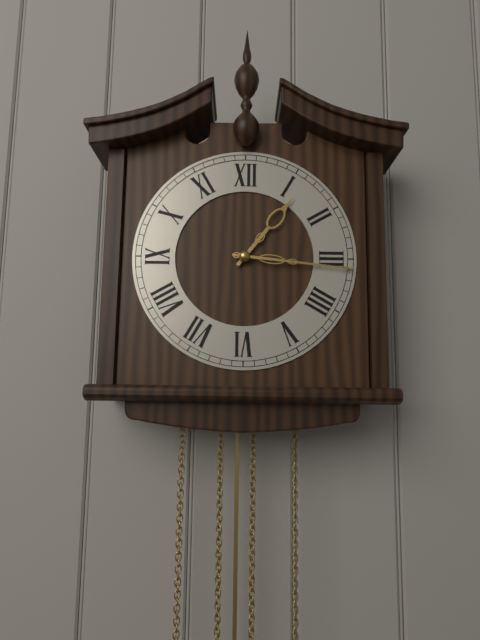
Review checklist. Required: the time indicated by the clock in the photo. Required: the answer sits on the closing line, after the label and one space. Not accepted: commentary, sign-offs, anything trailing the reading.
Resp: 1:16
